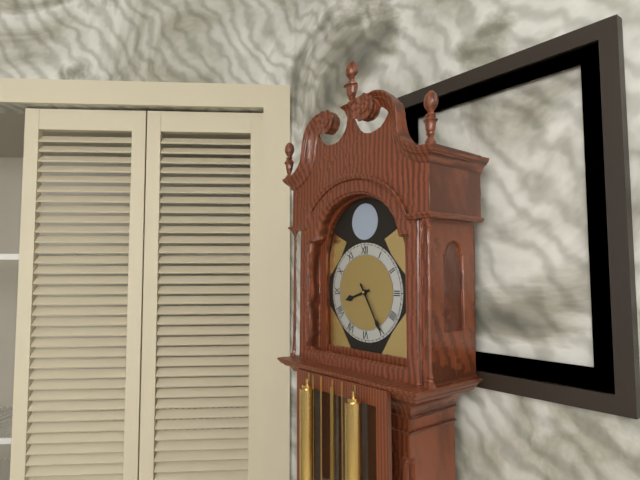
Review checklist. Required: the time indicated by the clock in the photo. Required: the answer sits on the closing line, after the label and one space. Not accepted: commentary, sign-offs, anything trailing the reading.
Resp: 8:25
